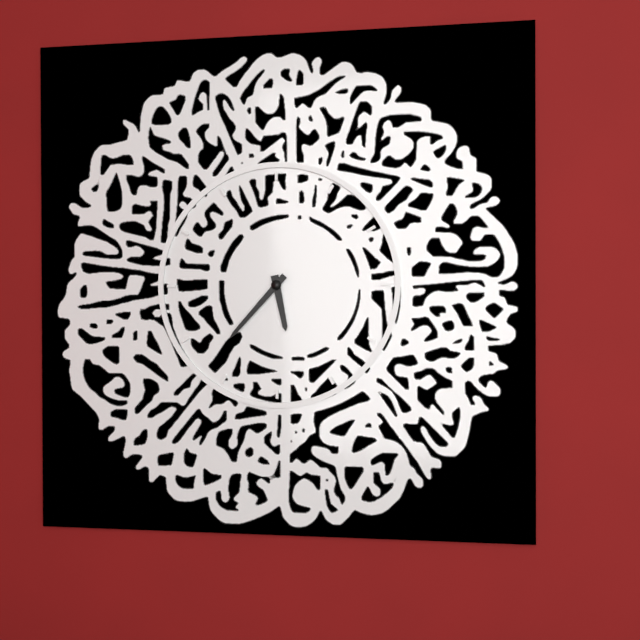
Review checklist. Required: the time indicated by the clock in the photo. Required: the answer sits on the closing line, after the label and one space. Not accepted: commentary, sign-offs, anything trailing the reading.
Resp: 5:37
